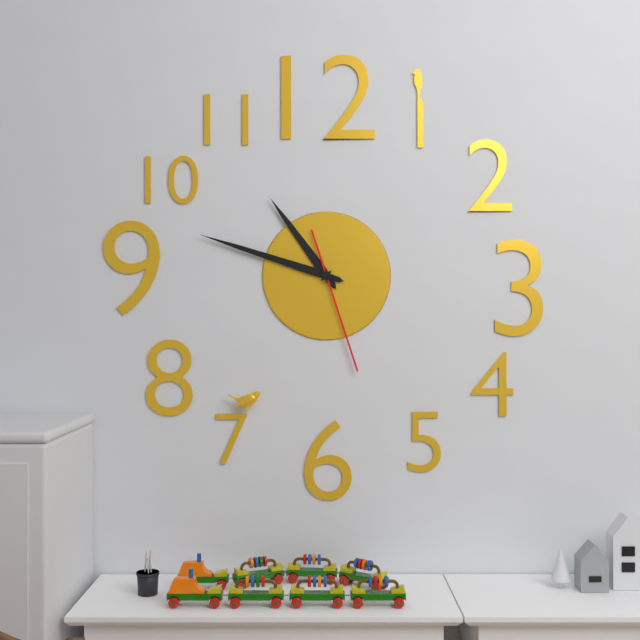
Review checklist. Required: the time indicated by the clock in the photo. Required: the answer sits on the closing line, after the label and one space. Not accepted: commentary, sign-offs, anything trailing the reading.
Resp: 10:48:27
